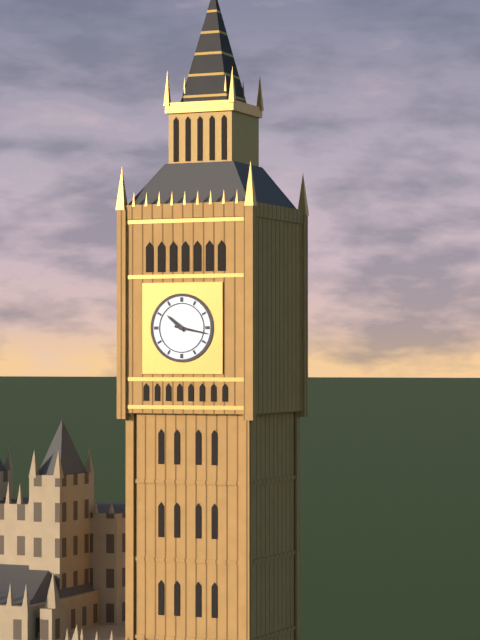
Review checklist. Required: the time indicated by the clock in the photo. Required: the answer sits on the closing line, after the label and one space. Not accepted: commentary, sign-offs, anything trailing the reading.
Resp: 10:17
